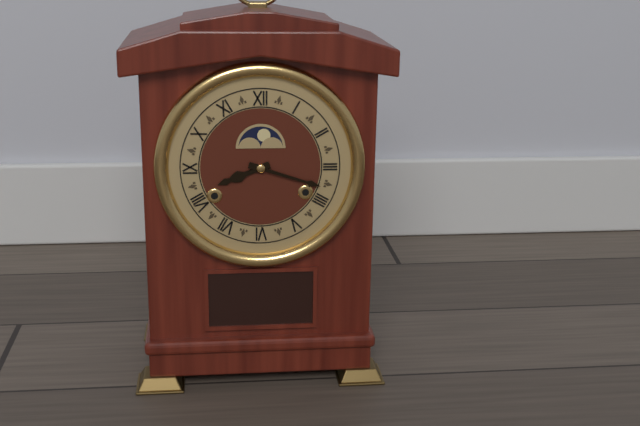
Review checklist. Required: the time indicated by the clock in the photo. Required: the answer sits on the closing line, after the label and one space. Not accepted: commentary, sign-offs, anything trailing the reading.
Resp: 8:18
